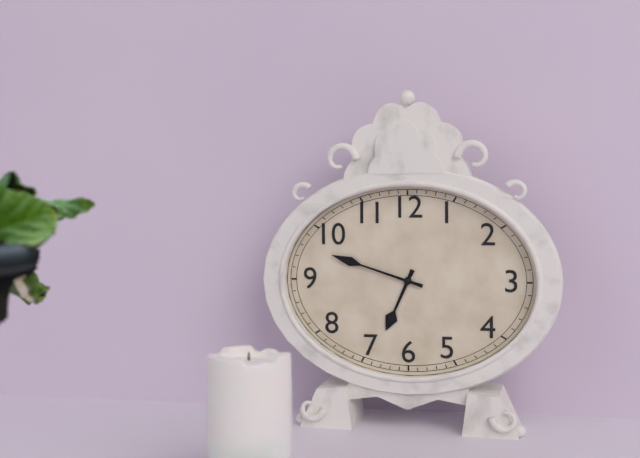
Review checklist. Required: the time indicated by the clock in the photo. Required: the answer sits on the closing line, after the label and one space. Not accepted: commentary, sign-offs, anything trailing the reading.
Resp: 6:48
